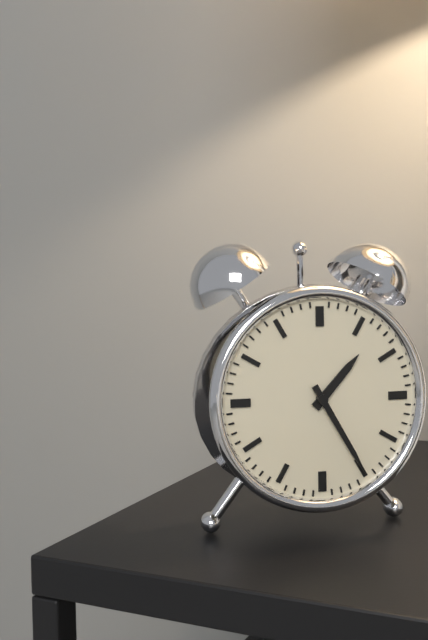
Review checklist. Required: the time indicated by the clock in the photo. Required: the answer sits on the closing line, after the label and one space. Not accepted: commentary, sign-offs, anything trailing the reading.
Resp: 1:25
